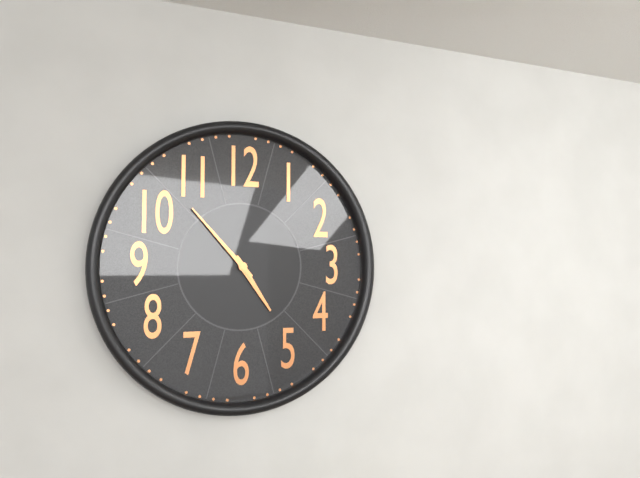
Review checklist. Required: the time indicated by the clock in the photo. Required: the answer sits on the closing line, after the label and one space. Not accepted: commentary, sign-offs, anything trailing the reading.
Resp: 4:53
